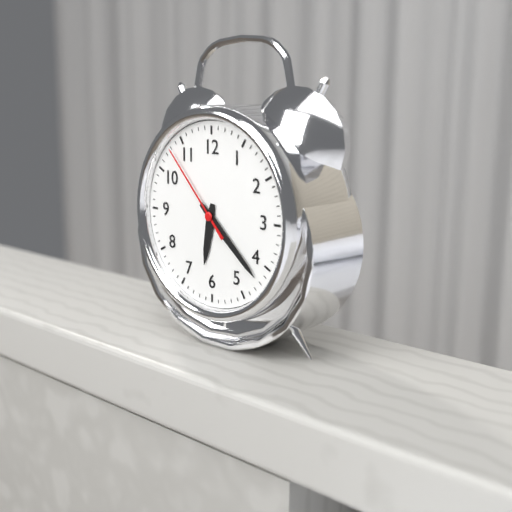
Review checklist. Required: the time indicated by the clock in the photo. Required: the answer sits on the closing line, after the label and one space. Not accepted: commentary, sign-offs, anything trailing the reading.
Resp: 6:22:53
